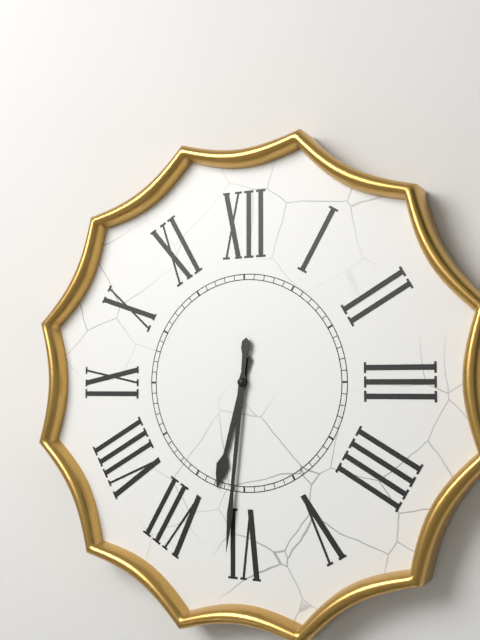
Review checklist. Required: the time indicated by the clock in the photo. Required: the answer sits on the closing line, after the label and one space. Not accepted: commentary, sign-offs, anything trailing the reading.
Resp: 6:31
